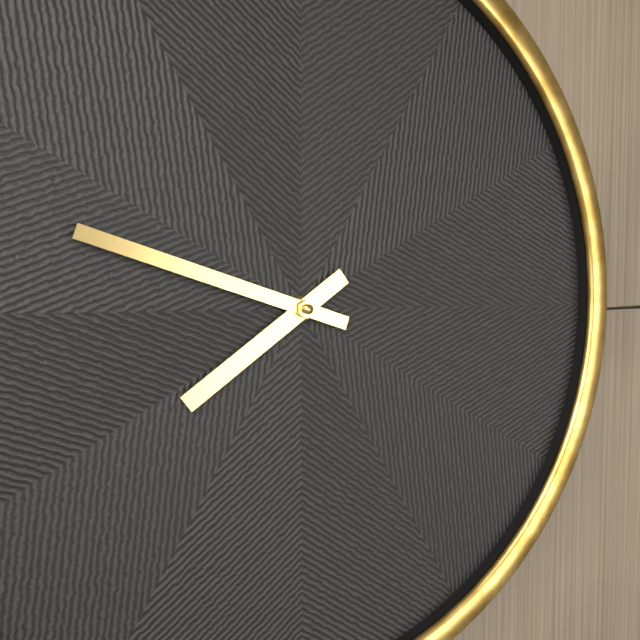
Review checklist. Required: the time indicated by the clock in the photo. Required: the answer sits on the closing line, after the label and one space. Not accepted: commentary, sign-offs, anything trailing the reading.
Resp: 7:48
